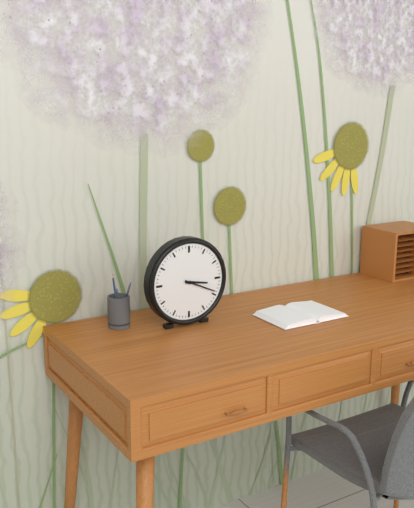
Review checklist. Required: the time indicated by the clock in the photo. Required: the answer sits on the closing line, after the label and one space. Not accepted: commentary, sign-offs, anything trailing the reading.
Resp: 3:19
